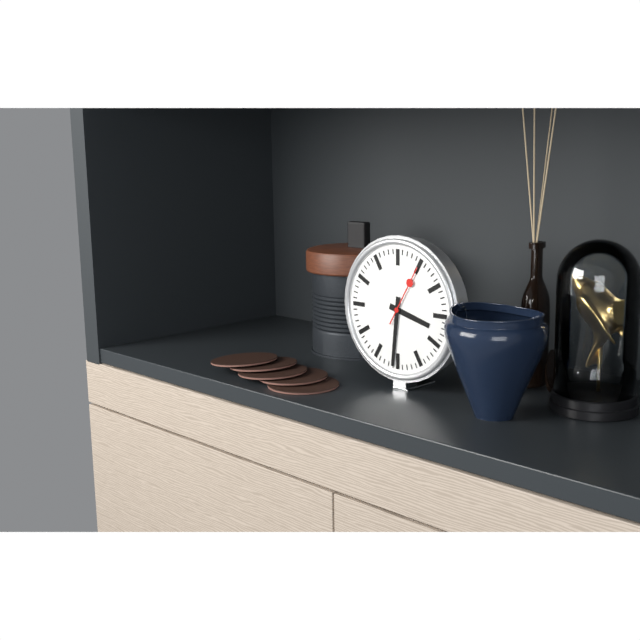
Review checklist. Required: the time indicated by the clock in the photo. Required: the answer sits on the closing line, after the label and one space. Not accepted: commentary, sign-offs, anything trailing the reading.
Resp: 3:31:05
